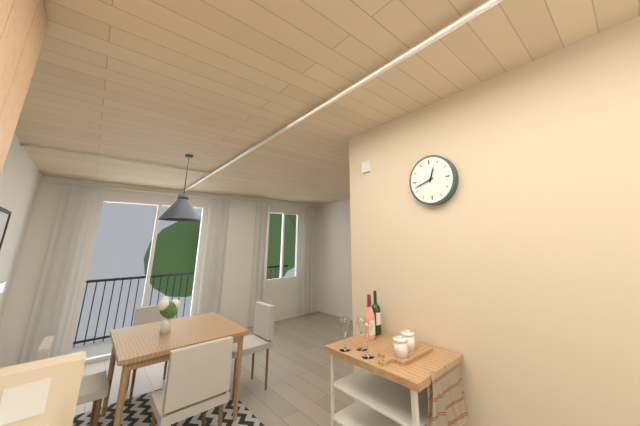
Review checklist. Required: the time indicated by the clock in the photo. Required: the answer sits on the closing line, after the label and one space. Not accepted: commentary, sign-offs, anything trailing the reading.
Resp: 12:42
